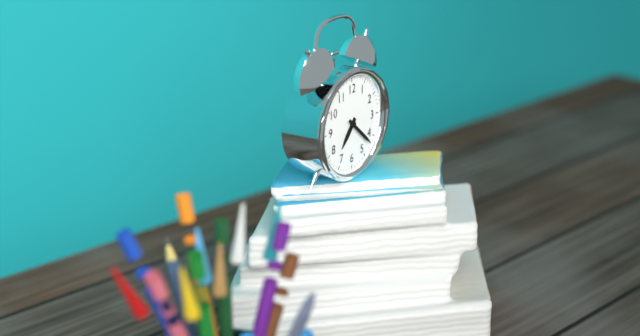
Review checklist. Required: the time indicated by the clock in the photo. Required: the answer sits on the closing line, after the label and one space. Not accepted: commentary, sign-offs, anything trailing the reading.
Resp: 7:22
